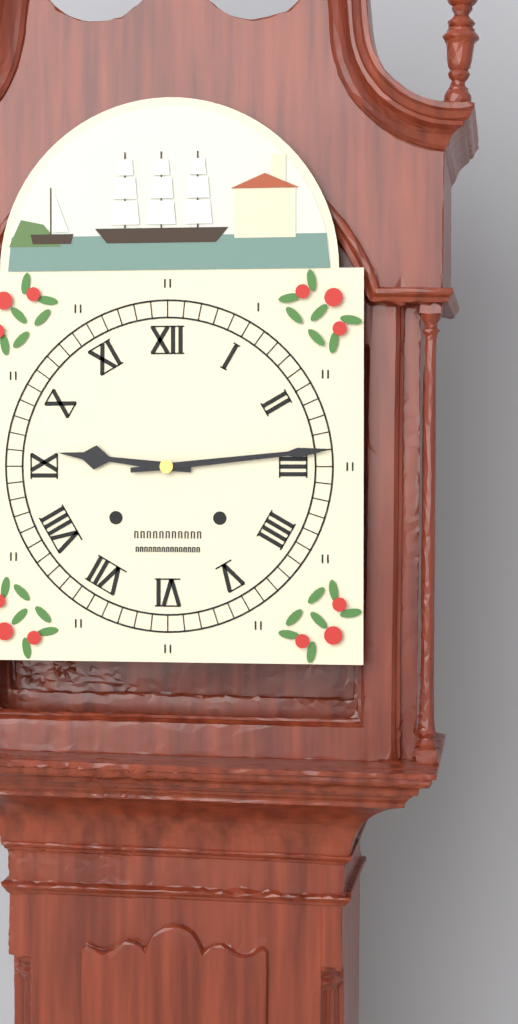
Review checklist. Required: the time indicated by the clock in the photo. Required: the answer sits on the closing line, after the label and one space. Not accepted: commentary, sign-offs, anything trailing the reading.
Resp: 9:14
